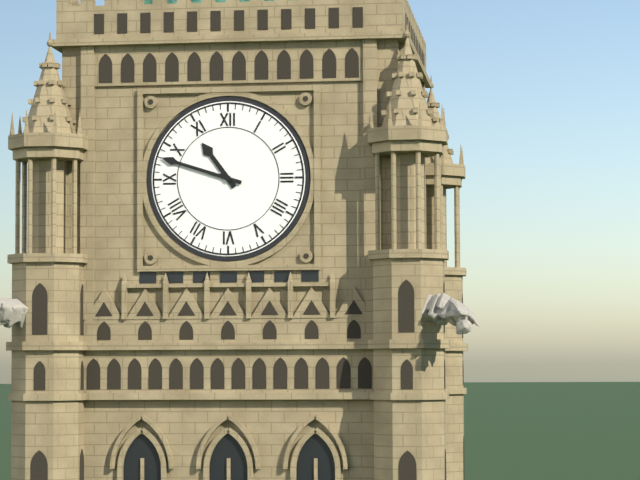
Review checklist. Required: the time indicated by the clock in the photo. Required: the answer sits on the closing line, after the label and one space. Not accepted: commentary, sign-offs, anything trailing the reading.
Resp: 10:48
